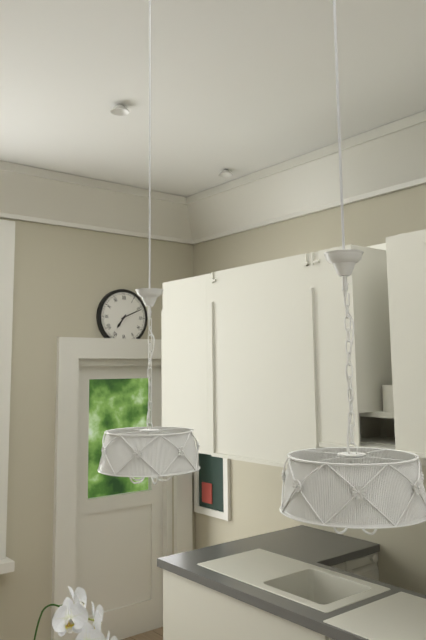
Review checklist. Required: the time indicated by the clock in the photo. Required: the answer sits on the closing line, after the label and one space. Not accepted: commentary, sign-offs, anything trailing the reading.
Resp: 7:11
